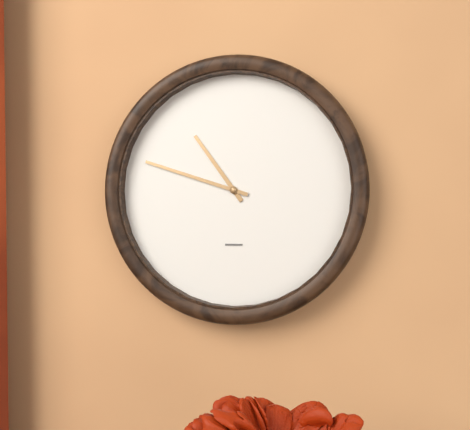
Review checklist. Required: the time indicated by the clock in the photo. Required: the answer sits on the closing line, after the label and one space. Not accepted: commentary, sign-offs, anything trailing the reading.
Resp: 10:48
